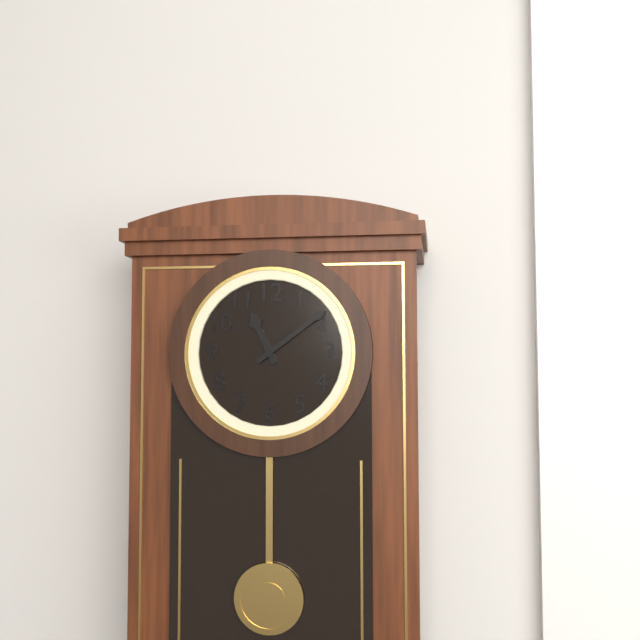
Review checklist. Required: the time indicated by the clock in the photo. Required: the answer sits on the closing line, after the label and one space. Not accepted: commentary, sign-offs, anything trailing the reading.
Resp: 11:09
